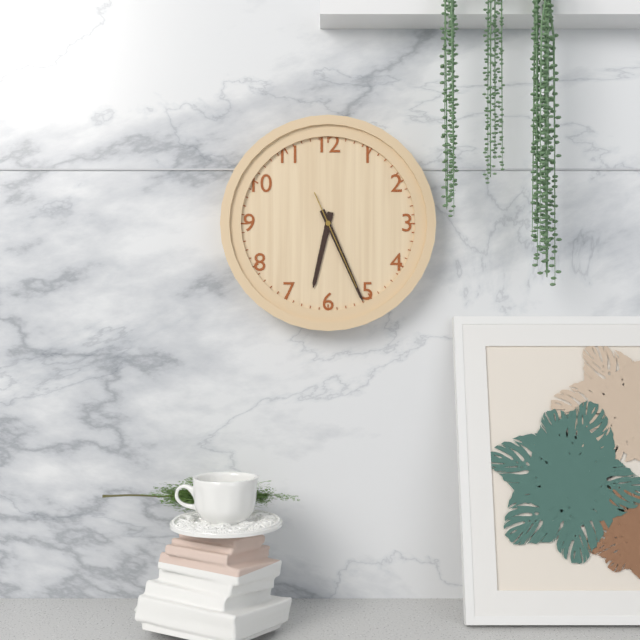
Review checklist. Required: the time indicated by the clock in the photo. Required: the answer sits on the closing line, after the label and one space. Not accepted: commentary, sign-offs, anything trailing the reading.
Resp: 6:26:26
